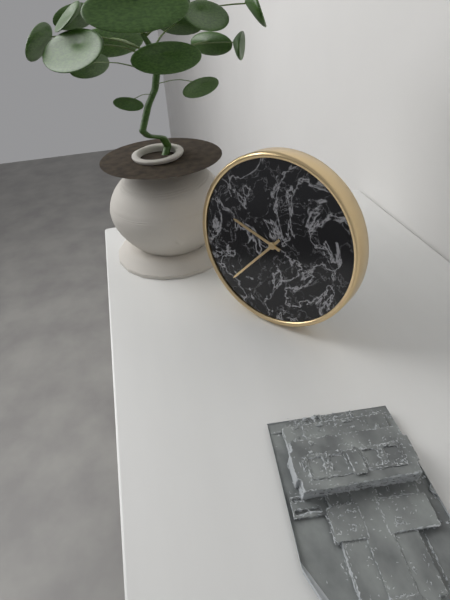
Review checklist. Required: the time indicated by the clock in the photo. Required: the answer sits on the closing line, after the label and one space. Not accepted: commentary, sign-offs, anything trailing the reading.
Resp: 9:37
